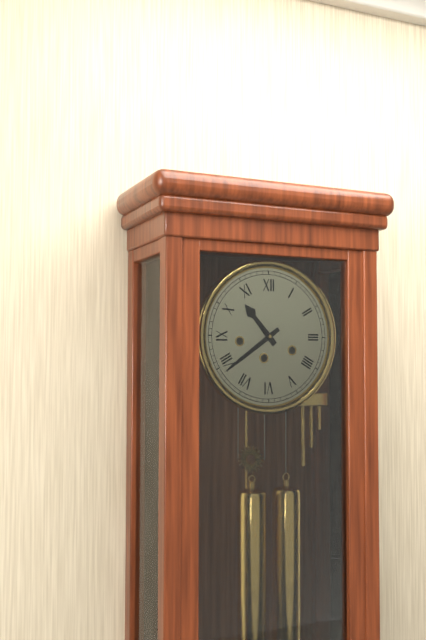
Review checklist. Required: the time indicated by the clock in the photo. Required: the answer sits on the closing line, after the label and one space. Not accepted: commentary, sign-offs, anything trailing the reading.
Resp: 10:39
